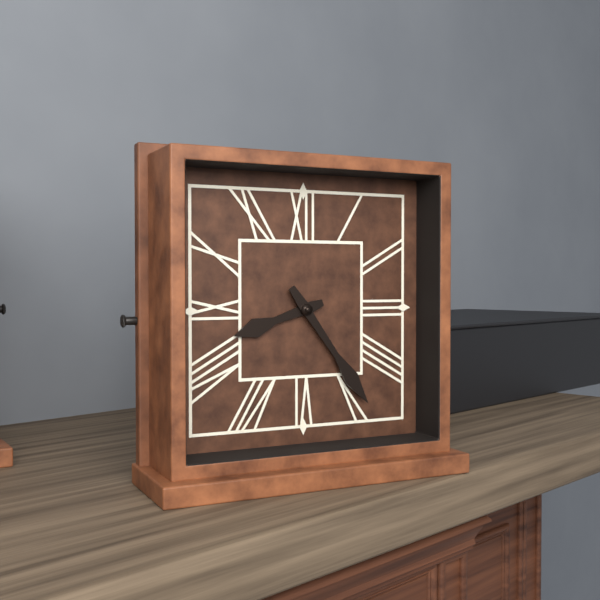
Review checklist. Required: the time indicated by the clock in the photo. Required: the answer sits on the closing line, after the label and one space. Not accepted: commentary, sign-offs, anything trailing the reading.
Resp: 8:24
